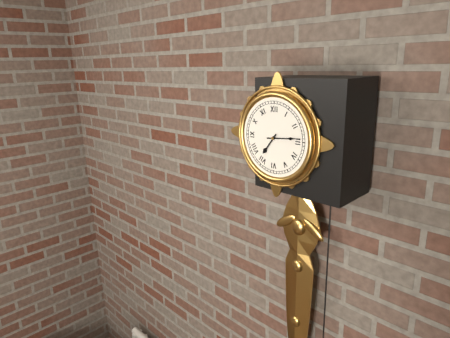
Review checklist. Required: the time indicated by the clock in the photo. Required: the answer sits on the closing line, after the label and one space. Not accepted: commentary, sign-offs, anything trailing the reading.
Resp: 7:14
